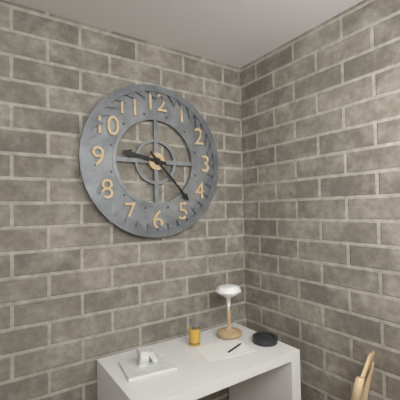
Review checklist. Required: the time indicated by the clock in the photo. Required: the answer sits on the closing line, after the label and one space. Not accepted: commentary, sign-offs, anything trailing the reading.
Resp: 9:23
